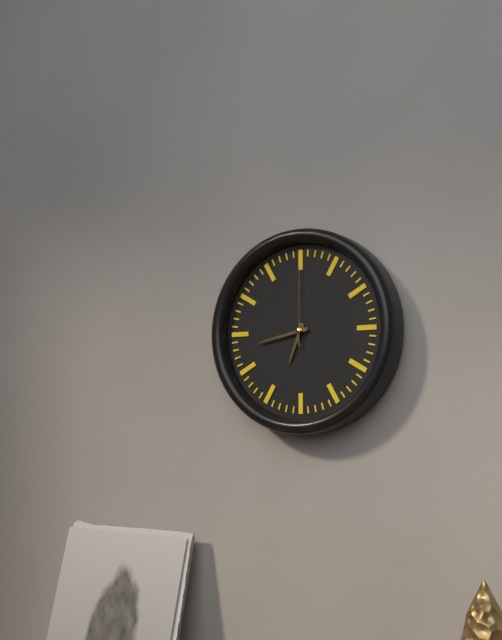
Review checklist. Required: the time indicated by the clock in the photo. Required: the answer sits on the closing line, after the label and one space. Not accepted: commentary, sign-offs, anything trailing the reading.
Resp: 6:43:00
